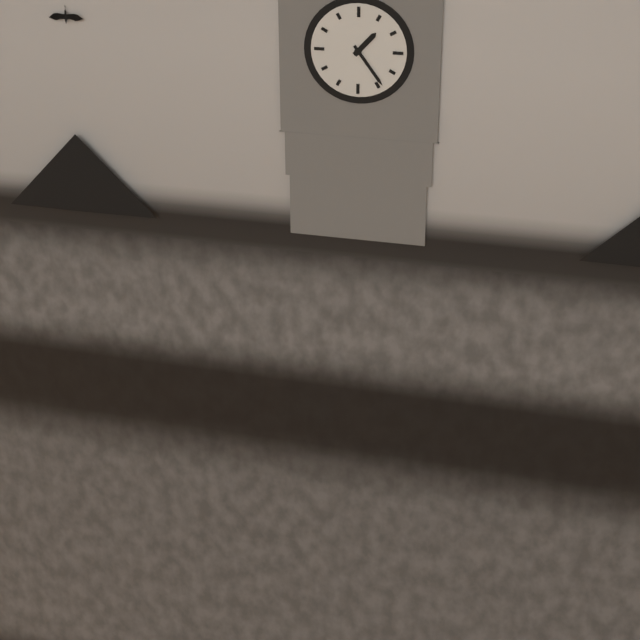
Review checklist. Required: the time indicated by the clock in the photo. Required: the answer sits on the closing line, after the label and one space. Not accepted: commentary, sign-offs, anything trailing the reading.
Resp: 1:24
